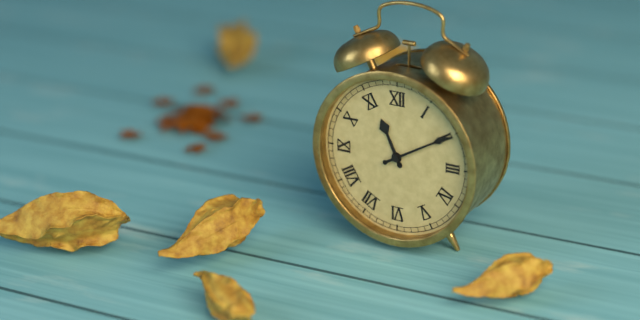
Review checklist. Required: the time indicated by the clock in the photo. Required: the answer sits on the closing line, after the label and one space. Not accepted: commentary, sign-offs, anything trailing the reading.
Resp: 11:10
